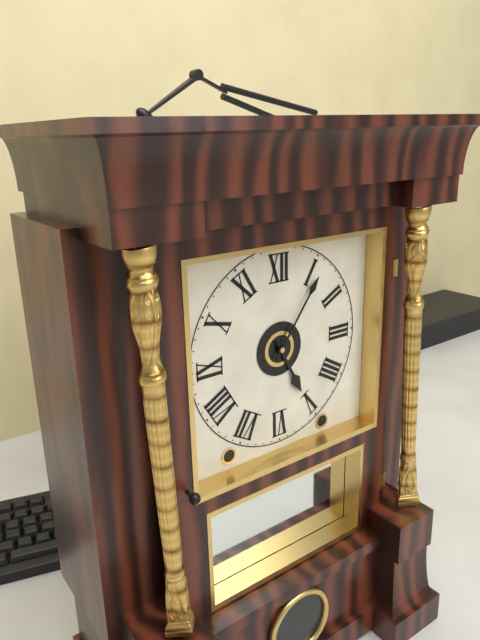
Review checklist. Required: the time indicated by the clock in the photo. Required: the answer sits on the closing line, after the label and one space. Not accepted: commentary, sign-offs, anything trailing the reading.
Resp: 5:06
